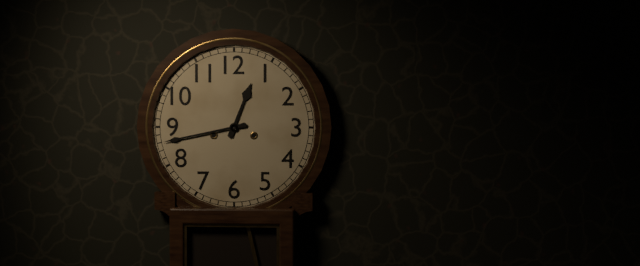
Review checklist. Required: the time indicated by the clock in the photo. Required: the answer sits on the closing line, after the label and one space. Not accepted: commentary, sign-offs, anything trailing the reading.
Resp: 12:43
